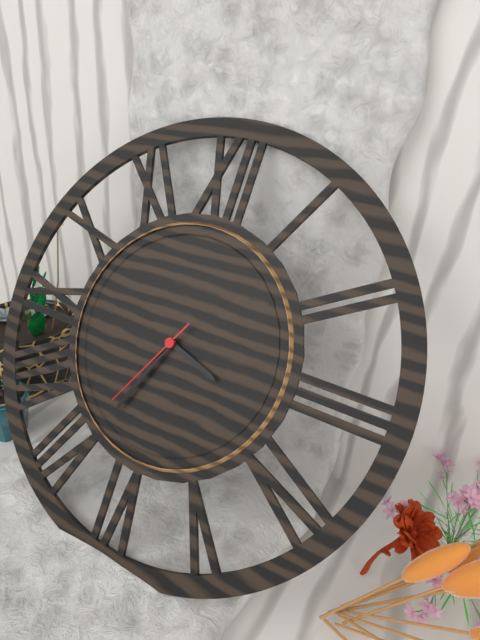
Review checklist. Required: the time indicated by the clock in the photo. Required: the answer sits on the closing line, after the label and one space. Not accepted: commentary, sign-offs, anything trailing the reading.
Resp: 3:34:35
